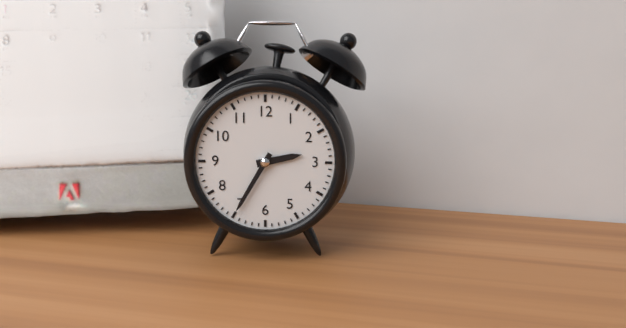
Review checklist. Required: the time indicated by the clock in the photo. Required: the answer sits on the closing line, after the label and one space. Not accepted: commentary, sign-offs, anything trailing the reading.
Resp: 2:35
